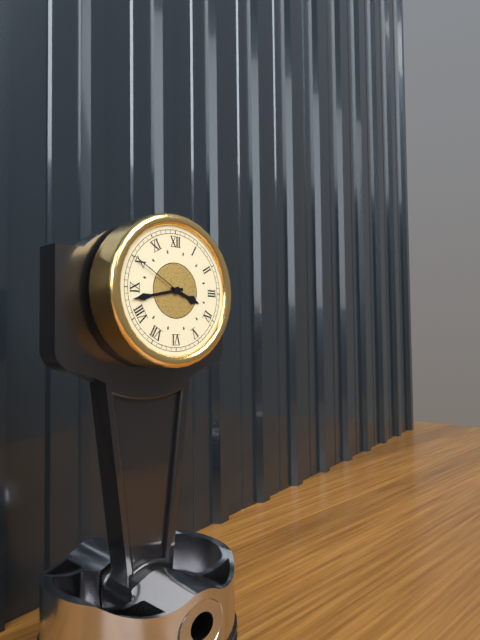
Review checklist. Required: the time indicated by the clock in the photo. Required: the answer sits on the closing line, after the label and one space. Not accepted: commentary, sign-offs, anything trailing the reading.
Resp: 3:43:50
